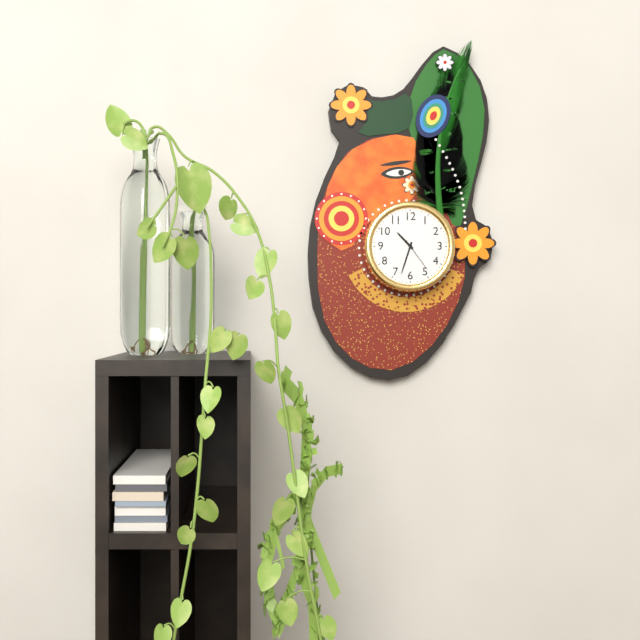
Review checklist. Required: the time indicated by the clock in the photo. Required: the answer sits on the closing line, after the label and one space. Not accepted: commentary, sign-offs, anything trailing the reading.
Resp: 10:33
